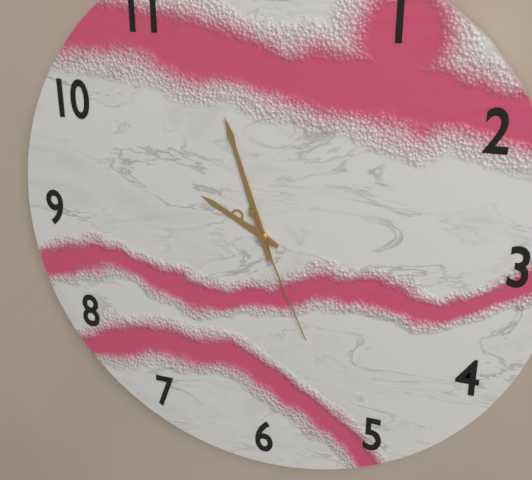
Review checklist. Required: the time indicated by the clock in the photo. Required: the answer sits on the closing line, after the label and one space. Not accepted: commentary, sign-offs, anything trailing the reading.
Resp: 9:57:26
